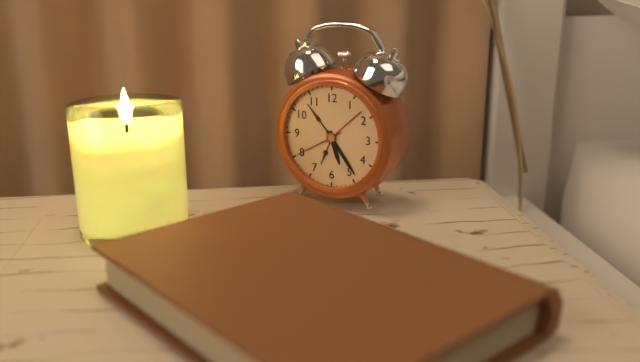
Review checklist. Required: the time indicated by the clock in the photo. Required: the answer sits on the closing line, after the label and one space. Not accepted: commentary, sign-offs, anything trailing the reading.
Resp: 5:24:40
